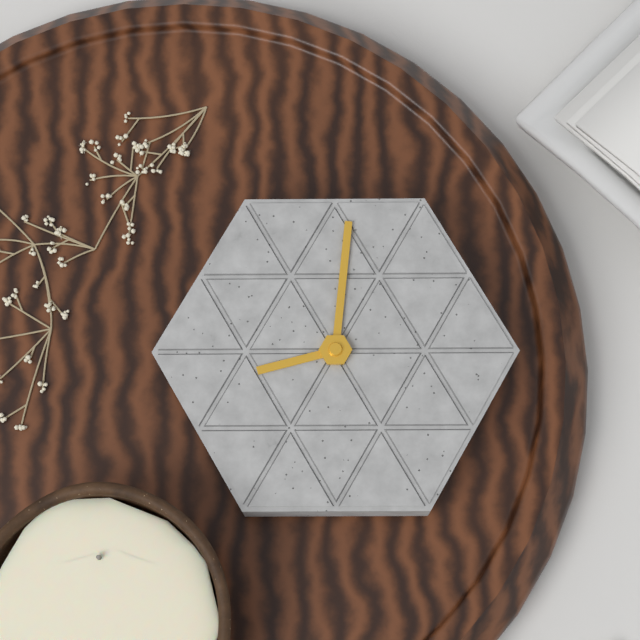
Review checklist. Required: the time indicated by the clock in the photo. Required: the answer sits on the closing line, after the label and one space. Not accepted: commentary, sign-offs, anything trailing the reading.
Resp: 2:31
